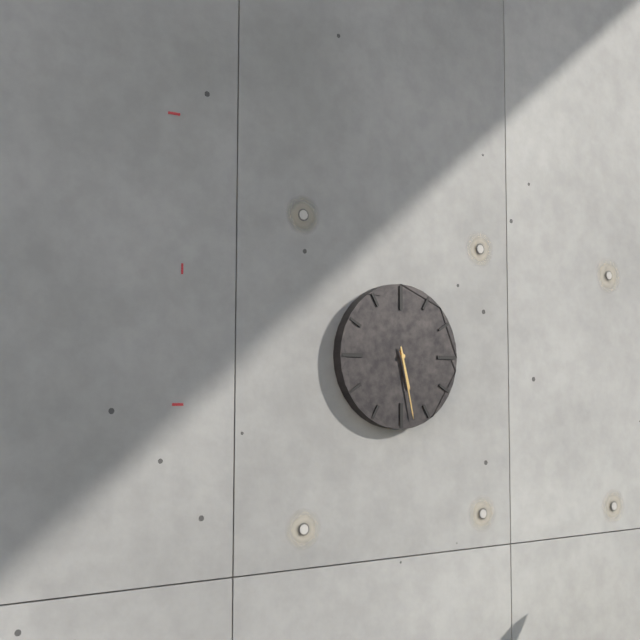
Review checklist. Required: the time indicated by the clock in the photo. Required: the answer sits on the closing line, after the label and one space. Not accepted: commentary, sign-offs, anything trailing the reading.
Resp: 5:28
